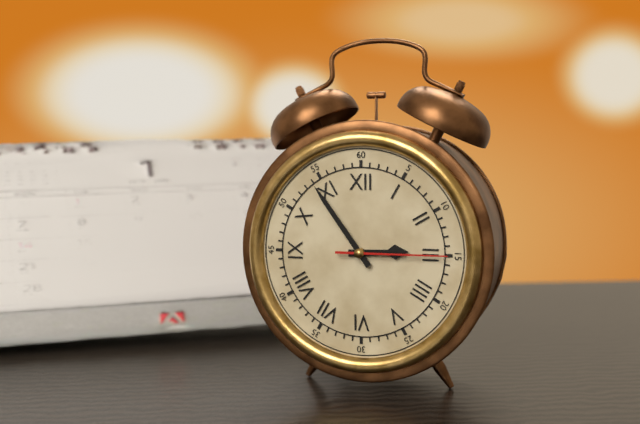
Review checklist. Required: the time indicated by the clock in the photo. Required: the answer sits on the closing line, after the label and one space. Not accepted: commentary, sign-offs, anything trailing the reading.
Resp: 2:54:15
